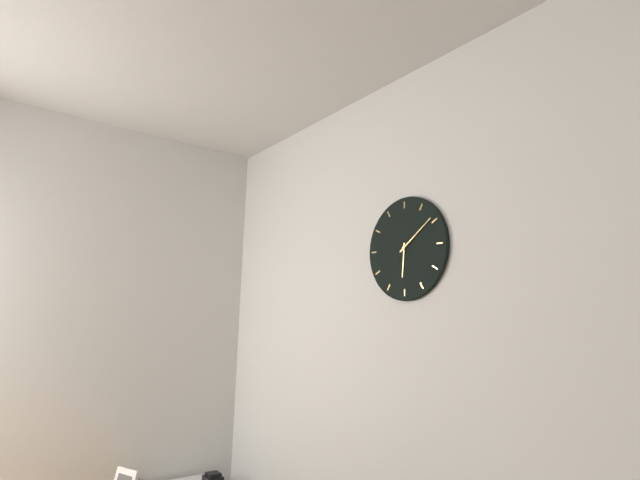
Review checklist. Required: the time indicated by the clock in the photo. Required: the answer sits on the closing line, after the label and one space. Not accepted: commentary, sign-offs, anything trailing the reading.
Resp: 6:09
